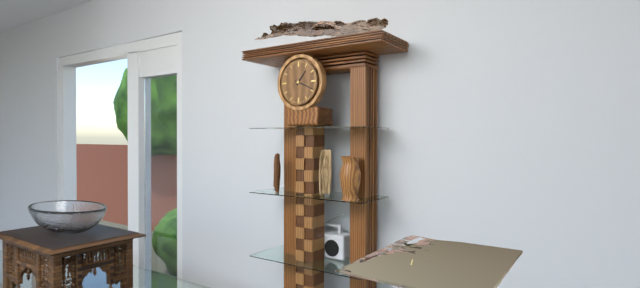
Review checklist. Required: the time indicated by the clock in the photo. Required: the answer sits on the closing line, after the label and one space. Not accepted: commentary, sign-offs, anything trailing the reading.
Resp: 1:19
